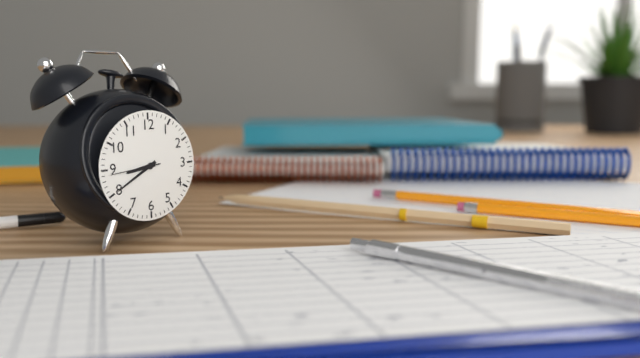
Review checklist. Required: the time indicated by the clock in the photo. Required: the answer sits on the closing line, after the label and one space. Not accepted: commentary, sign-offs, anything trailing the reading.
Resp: 8:40:44
